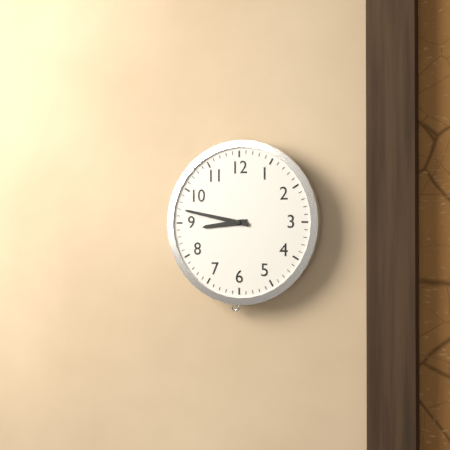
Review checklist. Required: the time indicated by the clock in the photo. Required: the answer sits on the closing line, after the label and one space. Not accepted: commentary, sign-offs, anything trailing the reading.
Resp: 8:47
